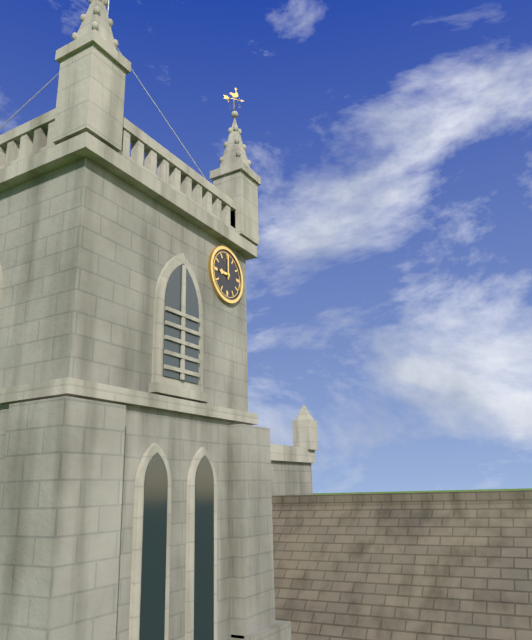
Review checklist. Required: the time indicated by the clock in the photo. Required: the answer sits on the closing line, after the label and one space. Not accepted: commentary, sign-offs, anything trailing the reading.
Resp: 9:00
